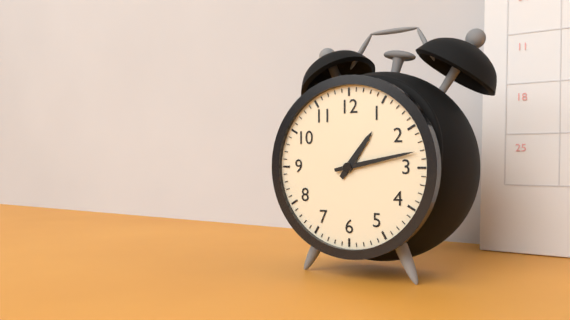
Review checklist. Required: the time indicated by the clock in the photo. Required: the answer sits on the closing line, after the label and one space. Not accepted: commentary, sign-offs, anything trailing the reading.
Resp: 1:13
